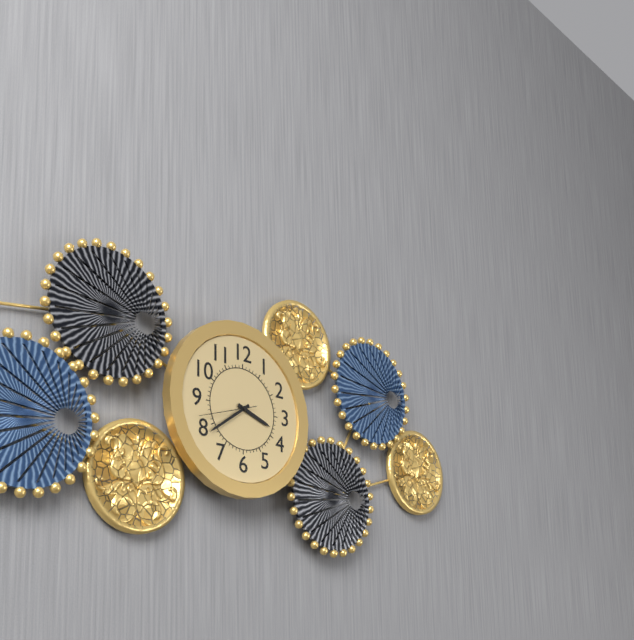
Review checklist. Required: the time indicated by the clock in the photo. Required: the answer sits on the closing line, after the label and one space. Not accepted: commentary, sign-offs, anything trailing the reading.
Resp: 3:39:42
